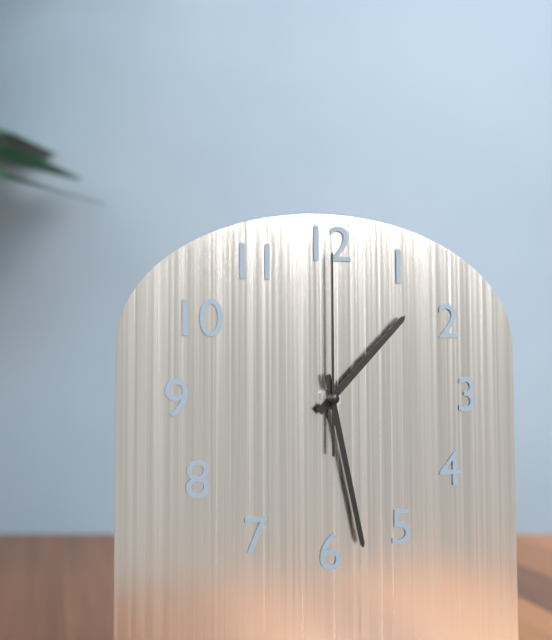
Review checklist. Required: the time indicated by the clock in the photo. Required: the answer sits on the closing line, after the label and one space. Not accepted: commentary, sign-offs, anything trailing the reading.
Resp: 1:28:00
